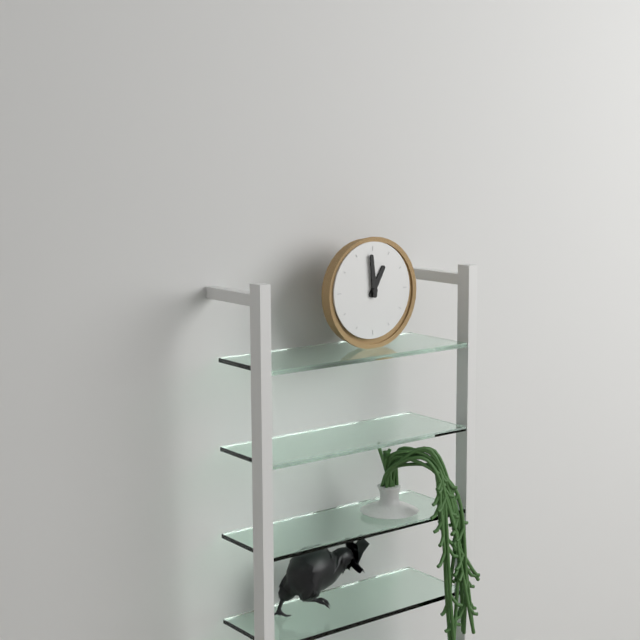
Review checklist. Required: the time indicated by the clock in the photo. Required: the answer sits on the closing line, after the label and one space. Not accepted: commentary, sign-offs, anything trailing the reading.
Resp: 12:59
